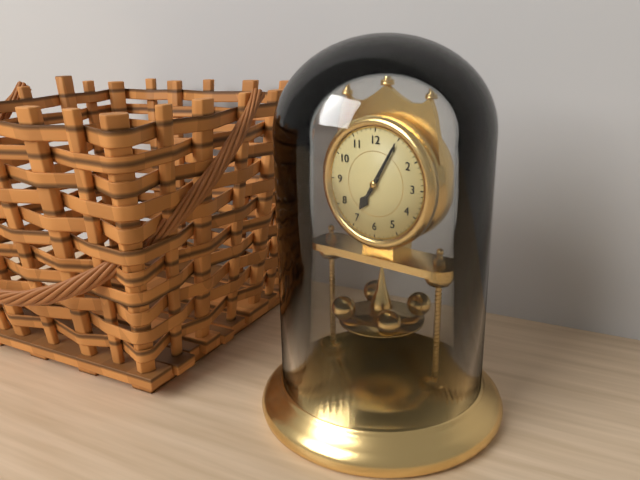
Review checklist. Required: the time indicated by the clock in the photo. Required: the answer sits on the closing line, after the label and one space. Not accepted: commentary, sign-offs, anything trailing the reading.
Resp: 7:05
